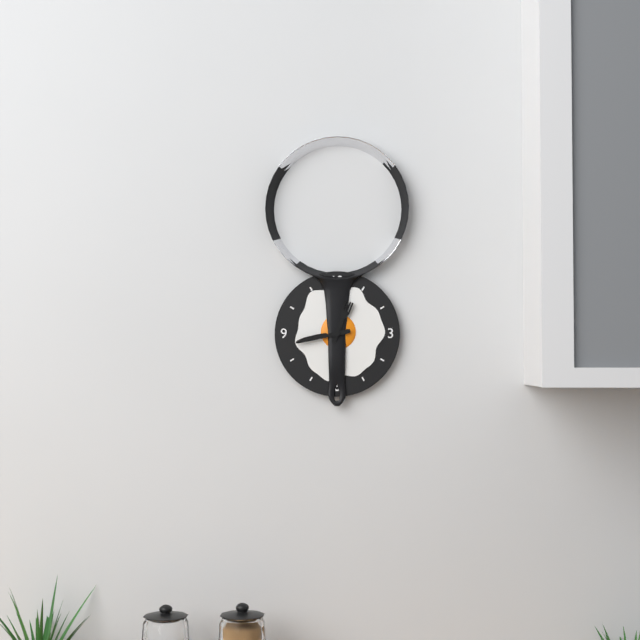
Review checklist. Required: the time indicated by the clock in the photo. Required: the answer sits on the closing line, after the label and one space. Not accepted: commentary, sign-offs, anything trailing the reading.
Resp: 12:43
